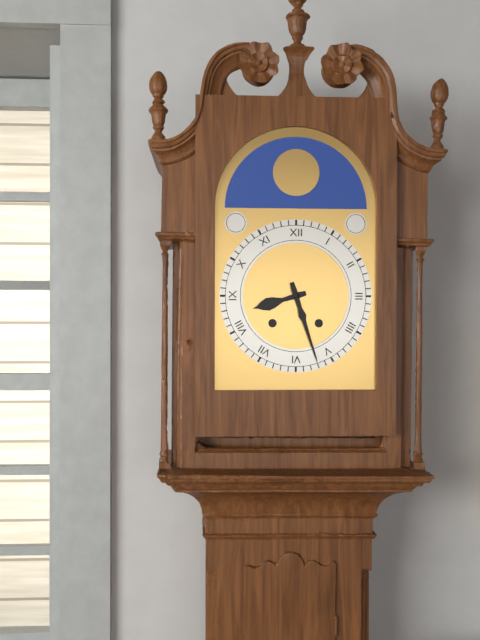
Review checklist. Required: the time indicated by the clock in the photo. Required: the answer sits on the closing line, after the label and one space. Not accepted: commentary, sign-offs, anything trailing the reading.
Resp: 8:27
